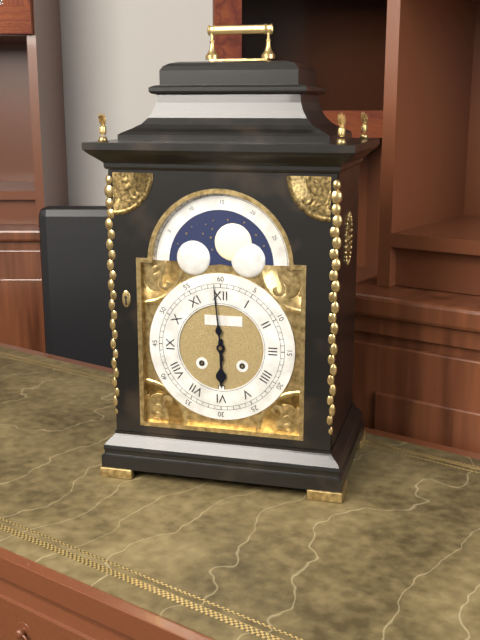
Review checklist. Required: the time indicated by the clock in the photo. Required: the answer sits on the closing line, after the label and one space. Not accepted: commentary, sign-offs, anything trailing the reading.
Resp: 5:59
